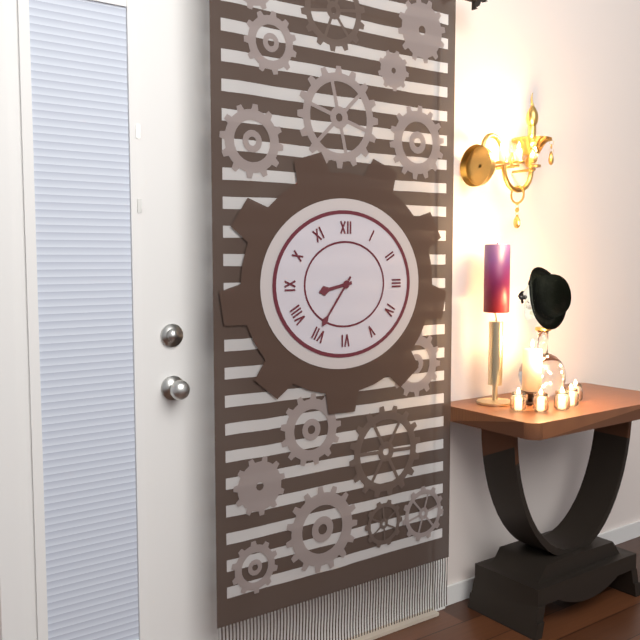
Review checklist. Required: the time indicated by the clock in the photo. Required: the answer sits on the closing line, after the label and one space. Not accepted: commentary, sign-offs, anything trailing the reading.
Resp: 8:36
